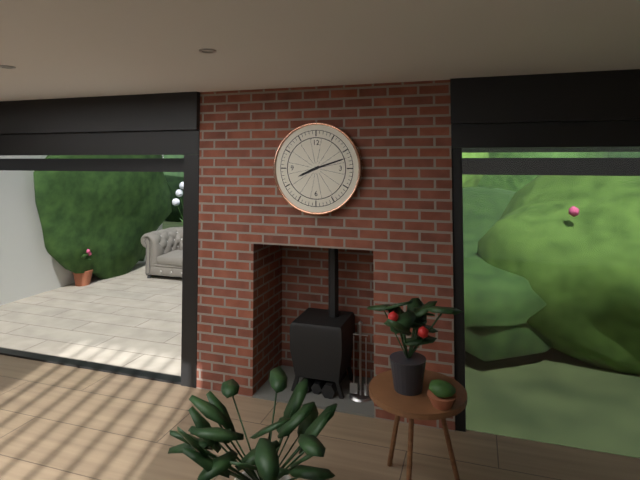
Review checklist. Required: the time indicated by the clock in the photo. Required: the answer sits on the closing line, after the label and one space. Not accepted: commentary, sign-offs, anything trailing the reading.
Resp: 8:12
